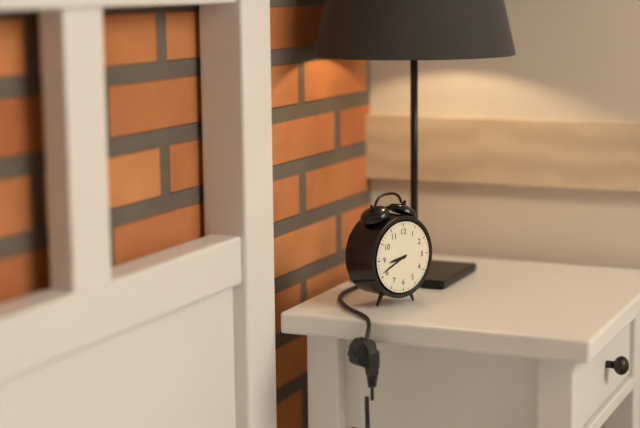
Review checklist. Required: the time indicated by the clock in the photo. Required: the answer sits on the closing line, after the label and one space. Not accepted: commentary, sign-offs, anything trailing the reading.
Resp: 8:41
